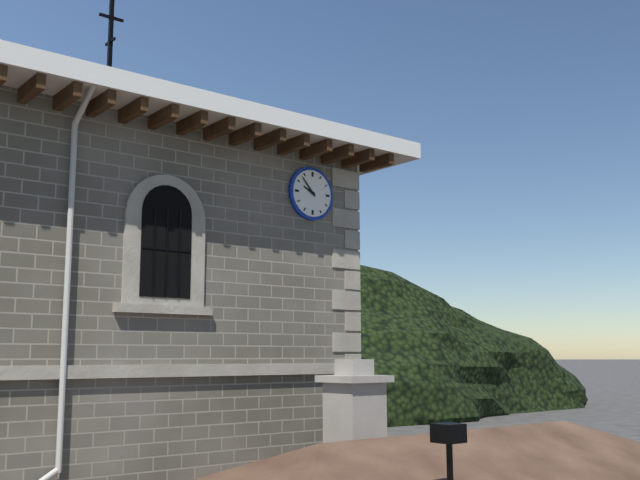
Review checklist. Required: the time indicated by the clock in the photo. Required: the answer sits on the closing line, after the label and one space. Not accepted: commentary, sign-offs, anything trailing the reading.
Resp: 9:53
